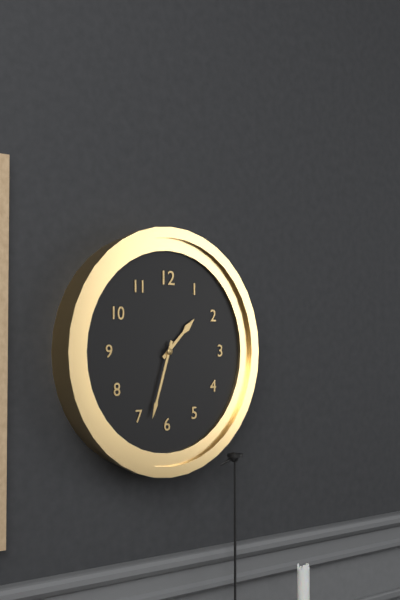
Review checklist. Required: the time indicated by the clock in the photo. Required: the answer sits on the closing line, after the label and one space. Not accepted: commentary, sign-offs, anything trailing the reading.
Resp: 1:33
